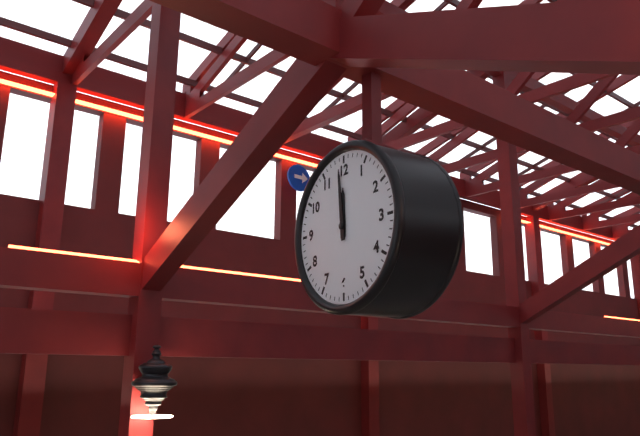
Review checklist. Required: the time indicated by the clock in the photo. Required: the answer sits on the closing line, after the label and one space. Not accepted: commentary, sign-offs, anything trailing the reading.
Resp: 11:59
